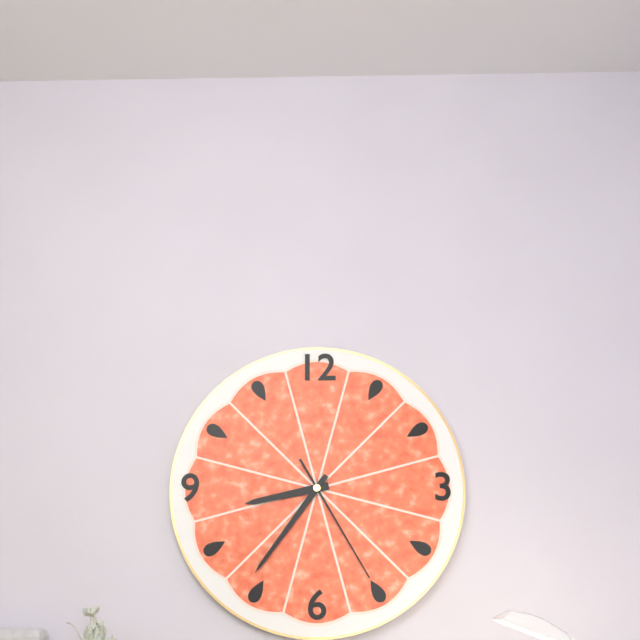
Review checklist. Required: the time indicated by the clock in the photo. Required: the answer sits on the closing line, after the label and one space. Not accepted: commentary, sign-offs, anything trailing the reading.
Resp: 8:36:25
